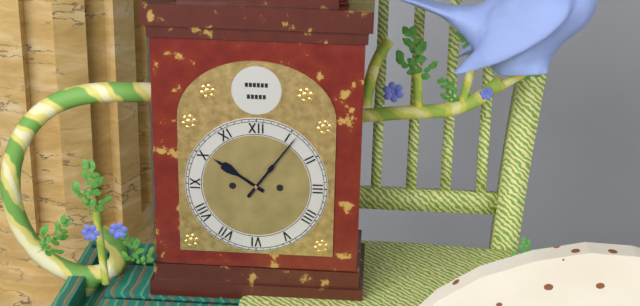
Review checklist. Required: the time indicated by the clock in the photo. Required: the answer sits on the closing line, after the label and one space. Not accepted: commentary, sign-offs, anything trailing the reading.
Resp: 10:06
